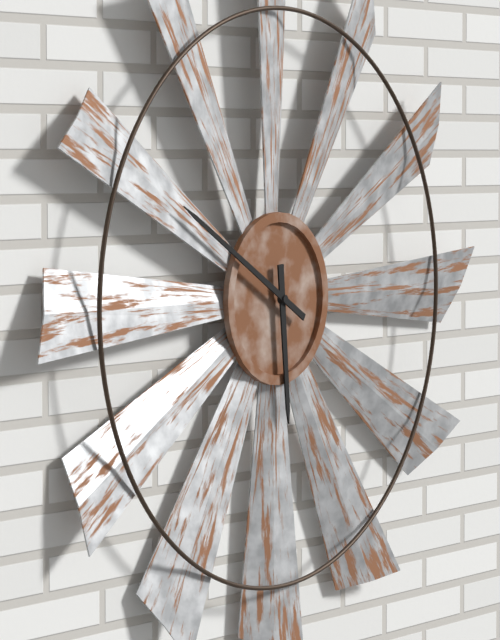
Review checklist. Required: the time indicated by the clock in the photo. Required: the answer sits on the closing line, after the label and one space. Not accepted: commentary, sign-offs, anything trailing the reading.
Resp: 5:50
